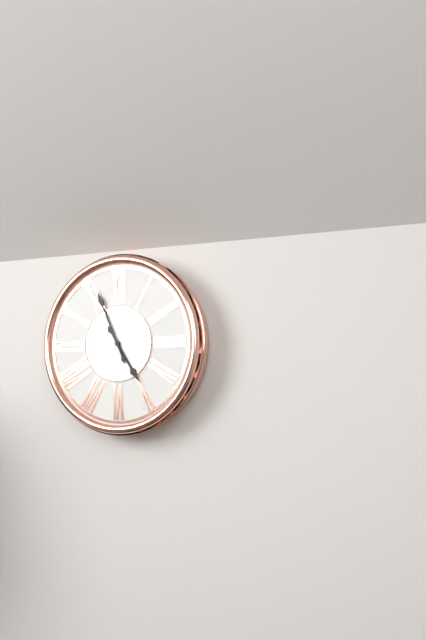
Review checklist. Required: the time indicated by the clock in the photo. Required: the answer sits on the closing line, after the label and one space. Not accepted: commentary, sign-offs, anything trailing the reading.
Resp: 4:56
